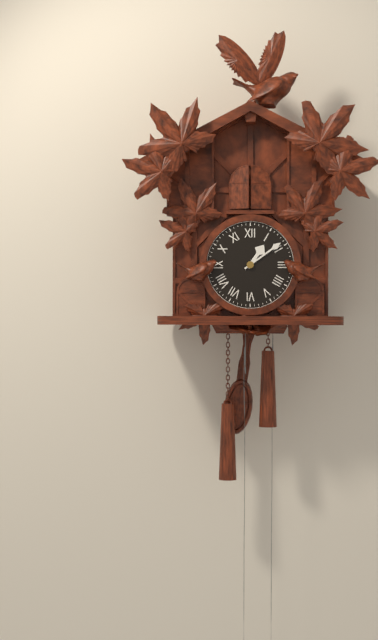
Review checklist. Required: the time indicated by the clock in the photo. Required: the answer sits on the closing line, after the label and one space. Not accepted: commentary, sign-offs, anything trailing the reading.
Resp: 1:09
